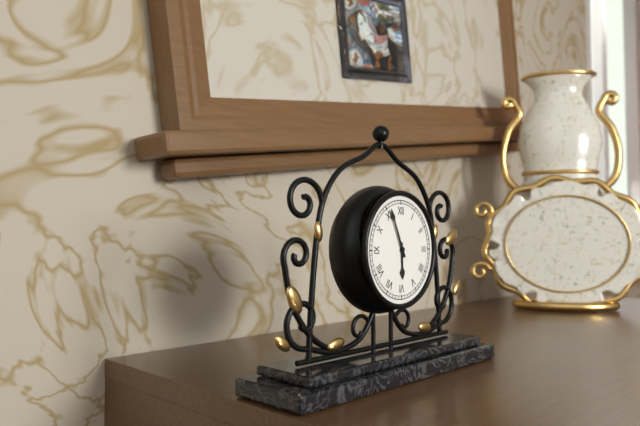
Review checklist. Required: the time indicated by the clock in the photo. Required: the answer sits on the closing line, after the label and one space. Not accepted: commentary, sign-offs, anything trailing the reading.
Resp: 5:56
